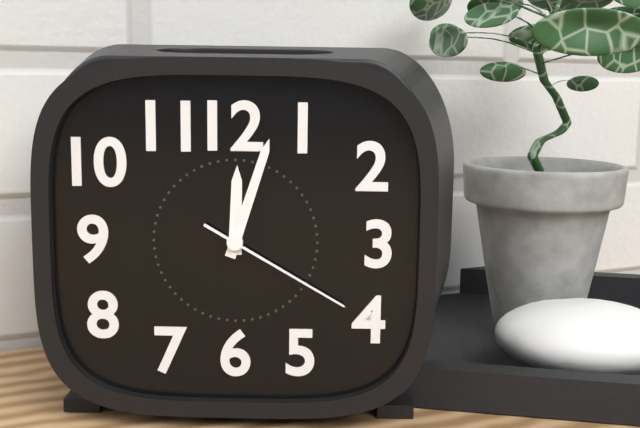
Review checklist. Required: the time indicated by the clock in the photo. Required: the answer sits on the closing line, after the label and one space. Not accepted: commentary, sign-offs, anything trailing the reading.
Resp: 12:03:20
